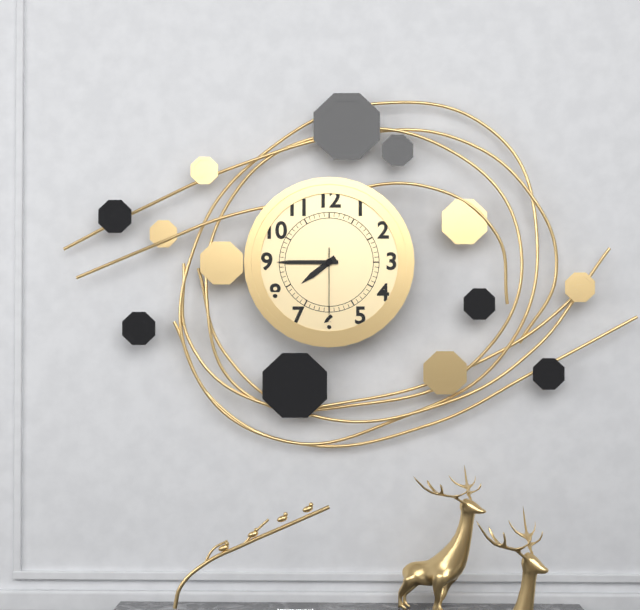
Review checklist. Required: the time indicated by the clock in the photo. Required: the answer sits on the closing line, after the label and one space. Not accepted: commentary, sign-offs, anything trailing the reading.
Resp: 7:45:30
